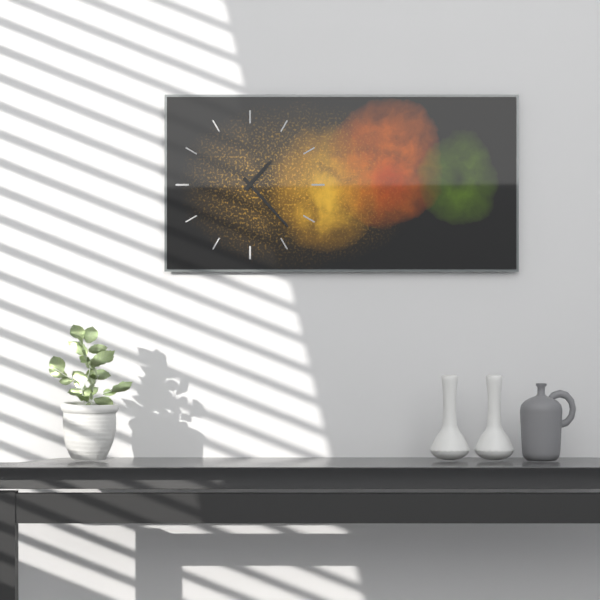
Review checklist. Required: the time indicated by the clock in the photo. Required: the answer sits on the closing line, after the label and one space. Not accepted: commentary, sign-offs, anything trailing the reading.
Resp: 1:23
